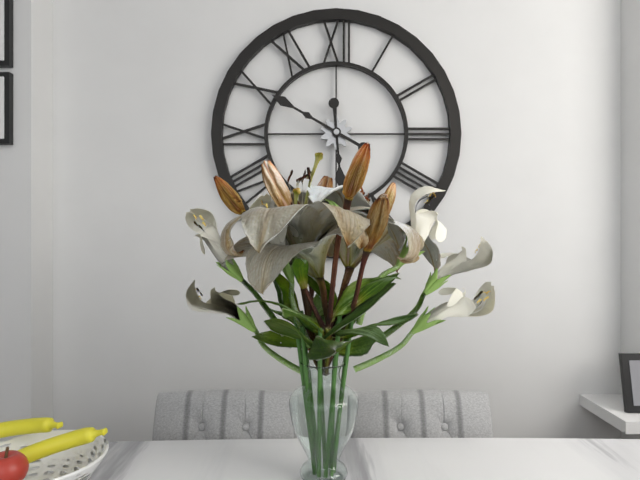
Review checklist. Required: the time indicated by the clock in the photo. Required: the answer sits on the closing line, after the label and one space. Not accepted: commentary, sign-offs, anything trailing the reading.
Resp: 5:50
